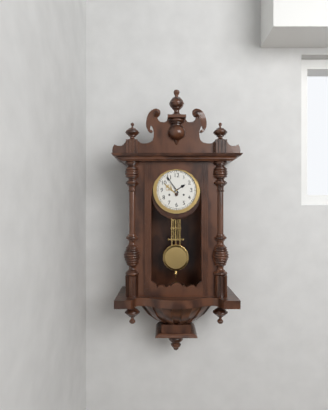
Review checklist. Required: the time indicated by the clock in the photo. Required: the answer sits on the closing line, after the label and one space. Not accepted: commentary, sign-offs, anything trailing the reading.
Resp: 1:54
